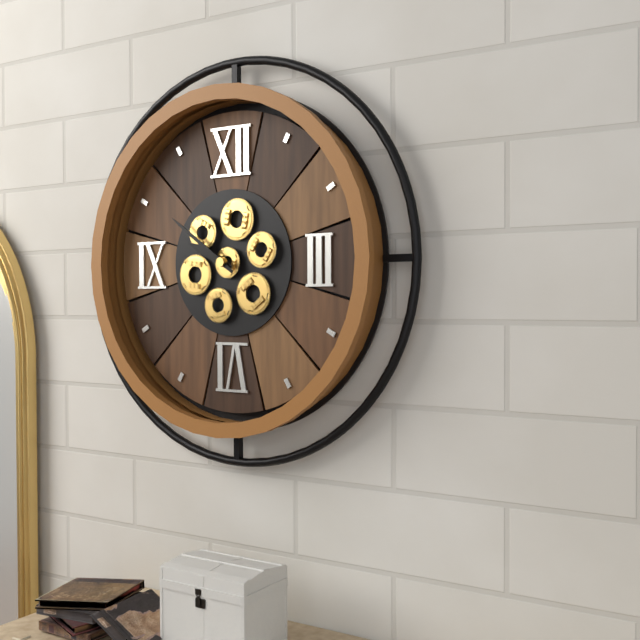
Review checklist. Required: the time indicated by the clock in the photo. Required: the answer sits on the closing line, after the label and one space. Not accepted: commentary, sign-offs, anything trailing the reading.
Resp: 9:51
